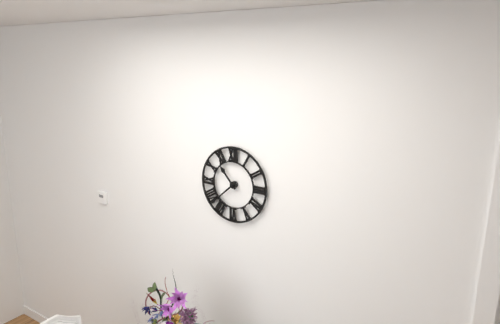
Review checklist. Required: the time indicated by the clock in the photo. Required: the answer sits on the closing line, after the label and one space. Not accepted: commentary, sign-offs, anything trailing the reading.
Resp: 10:38
